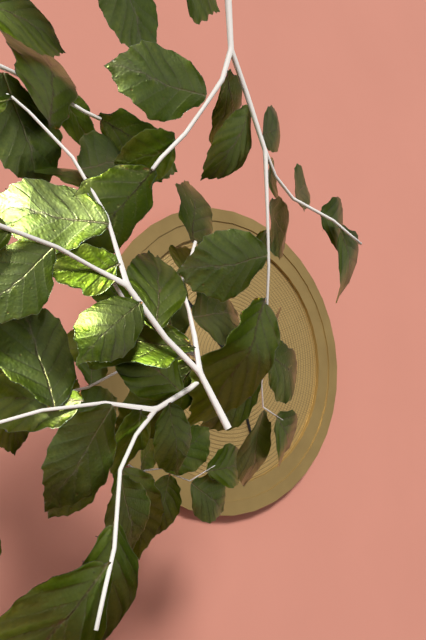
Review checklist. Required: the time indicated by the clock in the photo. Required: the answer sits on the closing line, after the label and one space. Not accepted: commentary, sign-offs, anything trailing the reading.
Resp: 10:27
